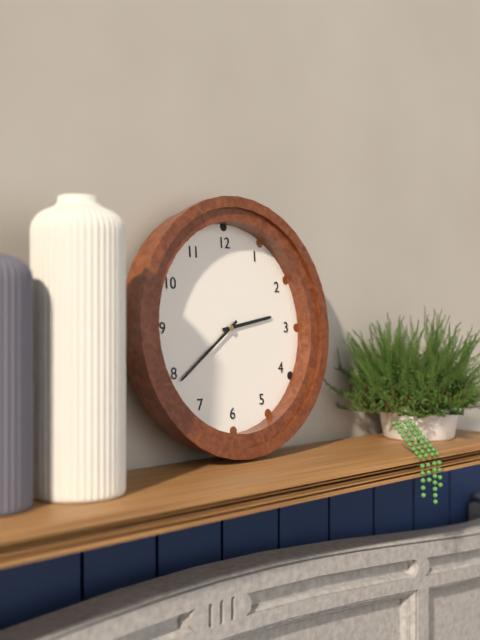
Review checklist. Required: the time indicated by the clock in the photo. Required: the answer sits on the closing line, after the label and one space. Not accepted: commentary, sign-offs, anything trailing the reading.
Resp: 2:39
